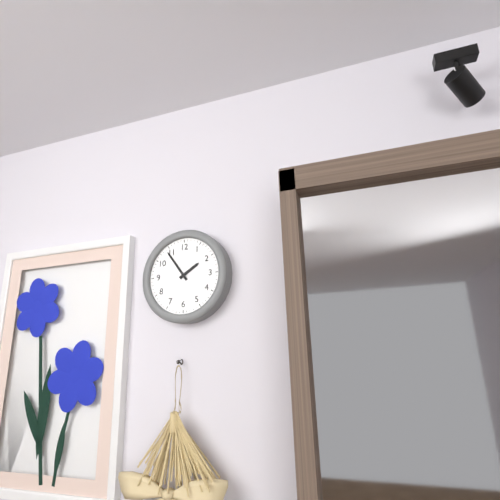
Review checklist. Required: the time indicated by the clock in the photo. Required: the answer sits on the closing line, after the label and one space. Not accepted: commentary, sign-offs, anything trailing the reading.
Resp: 1:54
